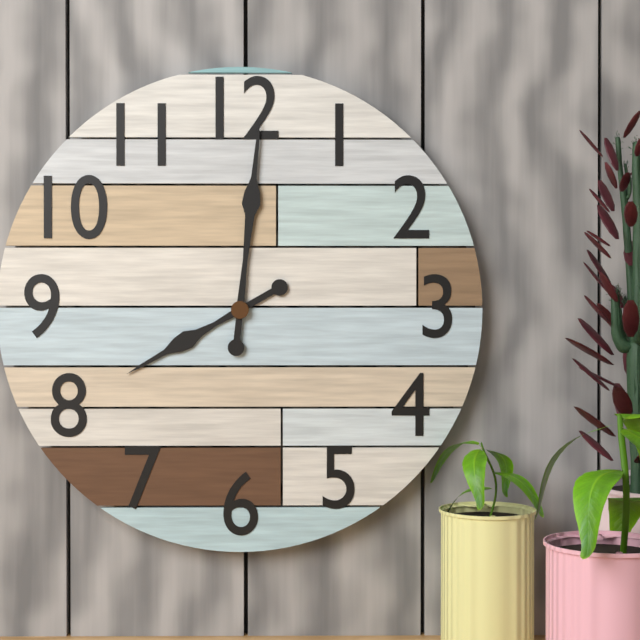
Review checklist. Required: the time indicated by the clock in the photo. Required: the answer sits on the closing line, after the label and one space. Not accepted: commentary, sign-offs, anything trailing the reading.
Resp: 8:01
